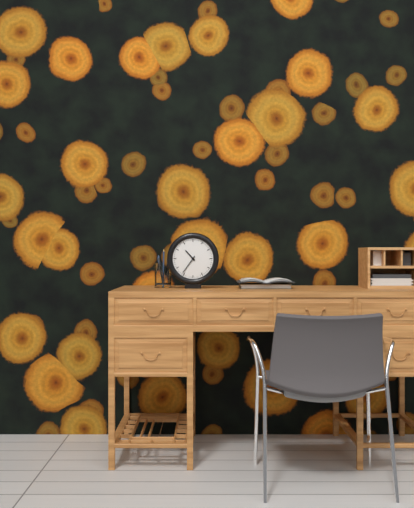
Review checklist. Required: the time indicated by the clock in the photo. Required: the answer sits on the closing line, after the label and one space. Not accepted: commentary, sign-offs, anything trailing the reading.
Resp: 10:36
